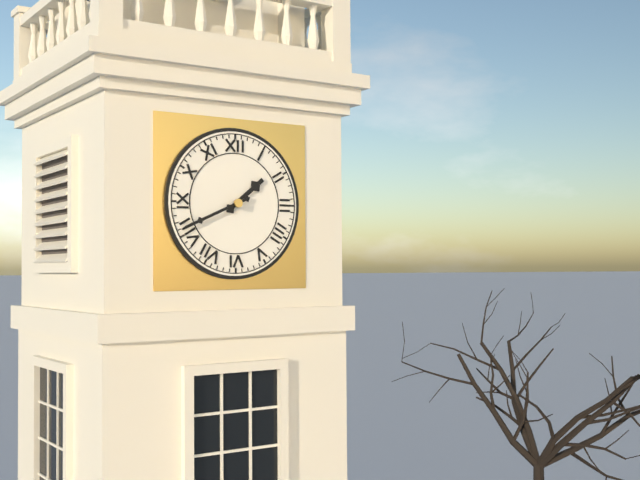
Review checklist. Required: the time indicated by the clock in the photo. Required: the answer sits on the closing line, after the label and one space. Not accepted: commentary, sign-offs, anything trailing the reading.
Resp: 1:41
